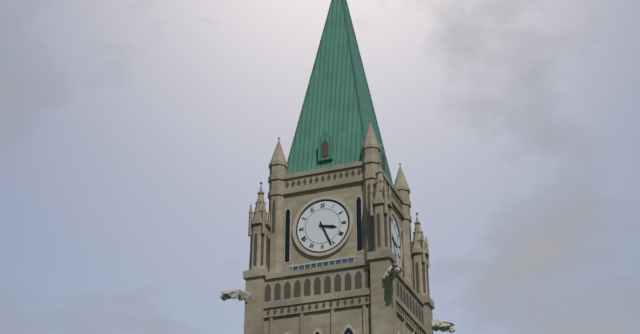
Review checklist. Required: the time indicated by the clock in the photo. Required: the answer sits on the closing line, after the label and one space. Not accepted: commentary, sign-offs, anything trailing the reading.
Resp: 3:26
